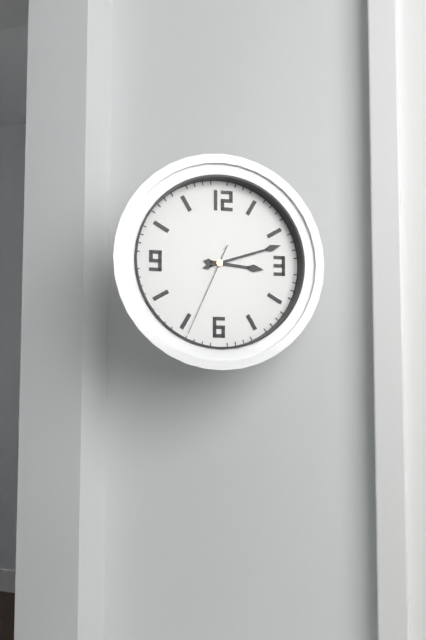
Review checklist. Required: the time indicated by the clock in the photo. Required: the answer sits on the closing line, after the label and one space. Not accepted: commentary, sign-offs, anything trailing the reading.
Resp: 3:12:34
